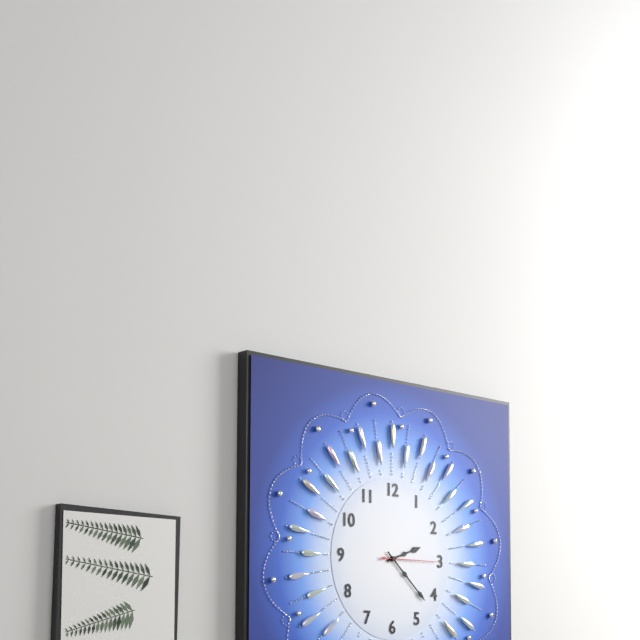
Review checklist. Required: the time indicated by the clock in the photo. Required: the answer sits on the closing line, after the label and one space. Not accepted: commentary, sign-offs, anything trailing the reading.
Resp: 2:22:15
